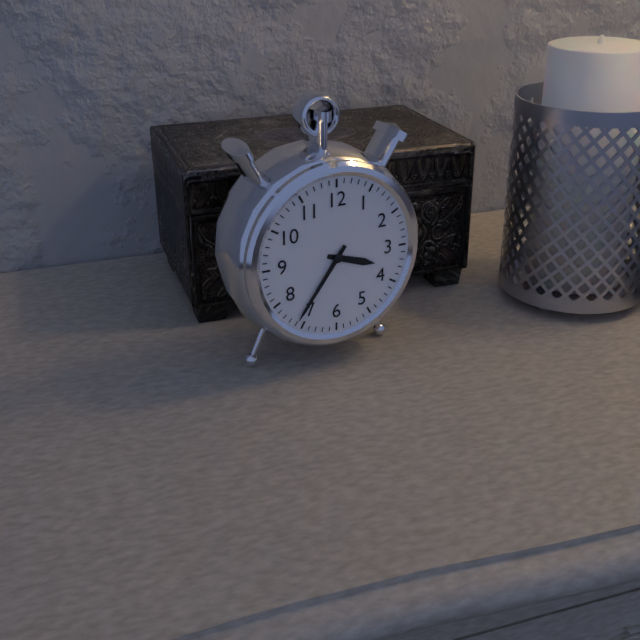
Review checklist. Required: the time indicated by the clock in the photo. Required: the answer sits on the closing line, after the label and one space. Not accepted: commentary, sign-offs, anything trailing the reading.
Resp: 3:36
